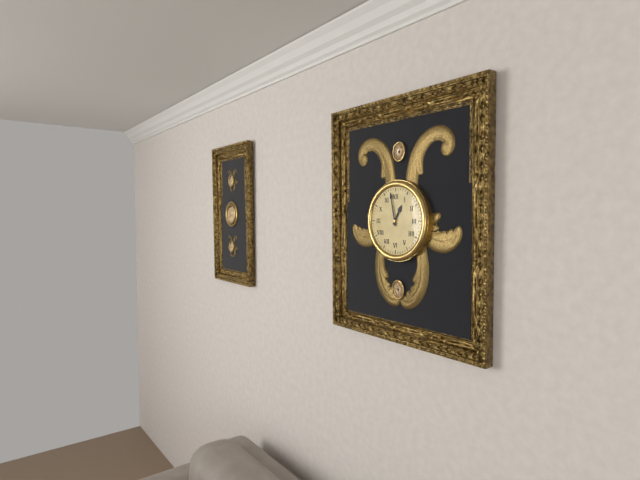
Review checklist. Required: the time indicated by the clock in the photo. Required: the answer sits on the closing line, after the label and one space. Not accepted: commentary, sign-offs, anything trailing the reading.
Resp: 12:58
